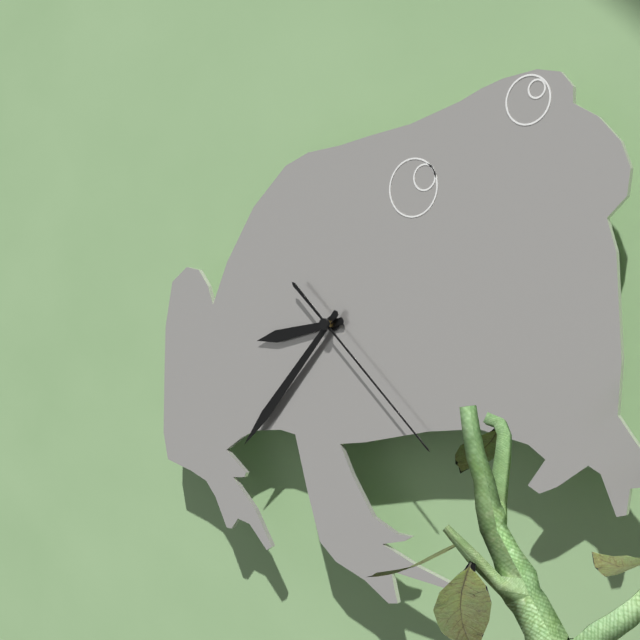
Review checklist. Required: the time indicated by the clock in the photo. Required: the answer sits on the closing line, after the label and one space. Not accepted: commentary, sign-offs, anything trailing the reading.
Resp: 8:37:22
